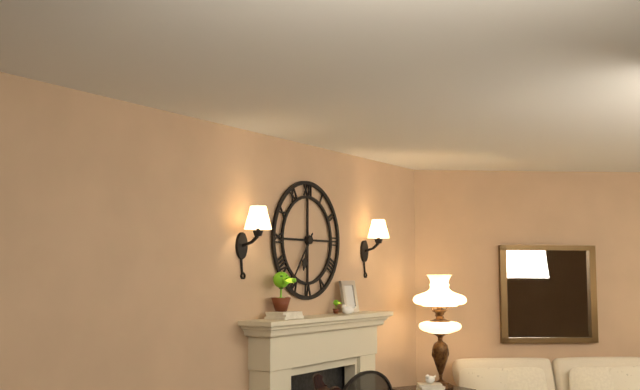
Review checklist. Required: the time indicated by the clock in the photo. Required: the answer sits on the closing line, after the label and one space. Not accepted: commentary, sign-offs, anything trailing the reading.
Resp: 6:36
